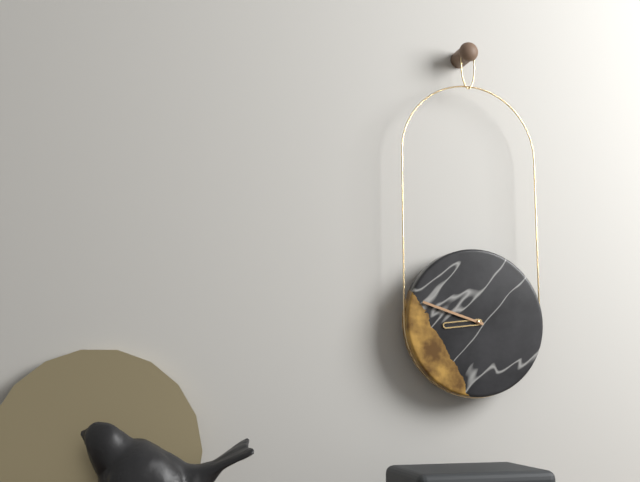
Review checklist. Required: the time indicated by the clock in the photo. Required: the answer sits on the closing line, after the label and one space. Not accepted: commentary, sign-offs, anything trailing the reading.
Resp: 8:48
